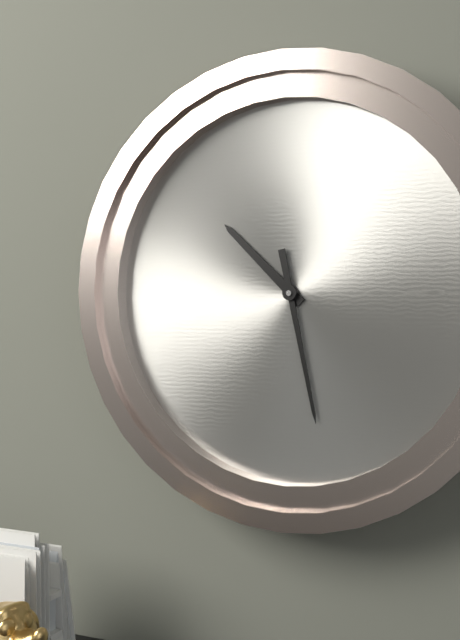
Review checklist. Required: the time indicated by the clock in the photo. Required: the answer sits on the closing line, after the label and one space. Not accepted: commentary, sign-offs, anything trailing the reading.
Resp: 10:28
